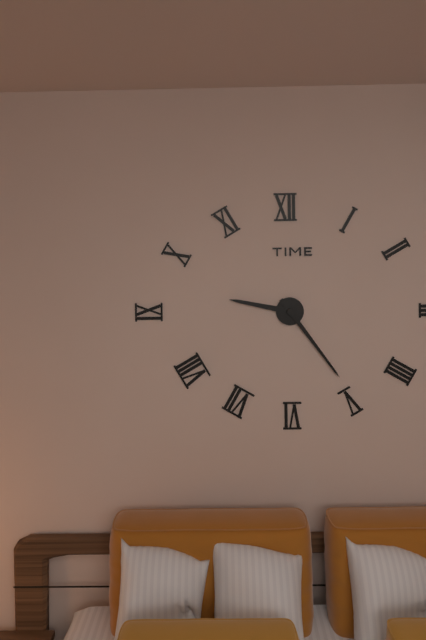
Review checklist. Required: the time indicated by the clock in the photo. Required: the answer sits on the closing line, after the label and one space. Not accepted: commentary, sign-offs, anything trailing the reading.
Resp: 9:24
